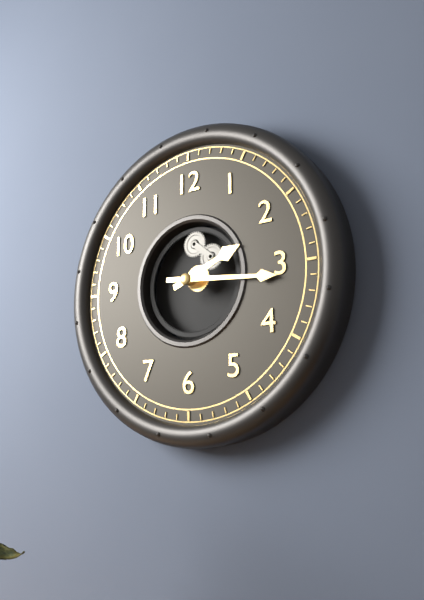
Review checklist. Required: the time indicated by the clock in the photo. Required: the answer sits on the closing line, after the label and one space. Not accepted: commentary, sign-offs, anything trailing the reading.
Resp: 2:16
